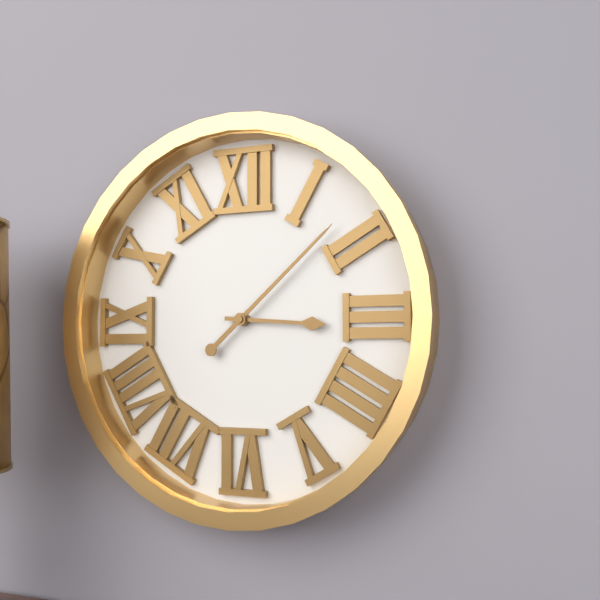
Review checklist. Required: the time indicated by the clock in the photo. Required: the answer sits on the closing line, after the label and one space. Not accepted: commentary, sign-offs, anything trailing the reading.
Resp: 3:08
